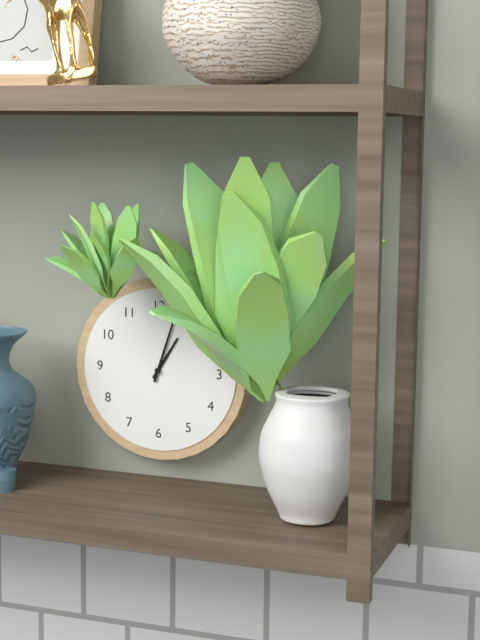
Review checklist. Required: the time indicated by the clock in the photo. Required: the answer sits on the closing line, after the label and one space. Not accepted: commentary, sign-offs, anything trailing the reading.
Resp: 1:03
